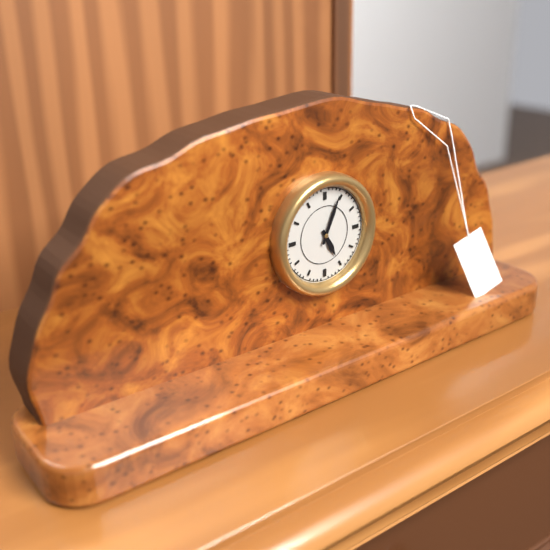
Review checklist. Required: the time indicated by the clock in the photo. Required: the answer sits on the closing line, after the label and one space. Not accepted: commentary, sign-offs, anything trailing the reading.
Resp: 5:04
